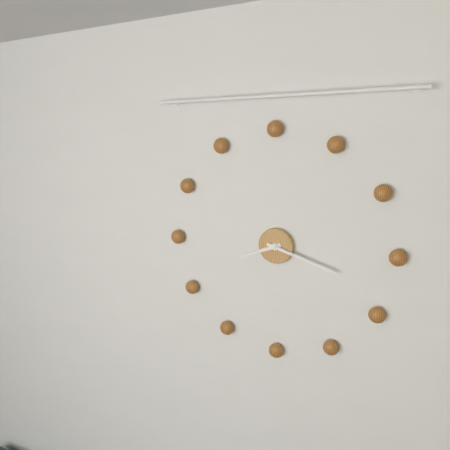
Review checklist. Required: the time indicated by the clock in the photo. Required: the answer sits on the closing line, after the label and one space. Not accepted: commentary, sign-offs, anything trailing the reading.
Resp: 8:18
